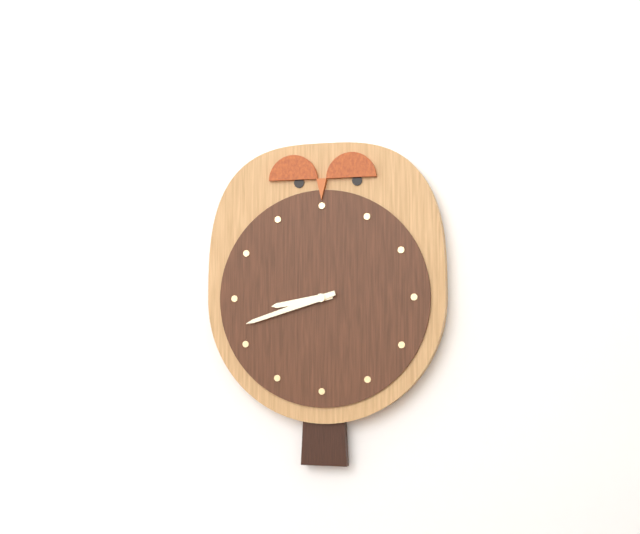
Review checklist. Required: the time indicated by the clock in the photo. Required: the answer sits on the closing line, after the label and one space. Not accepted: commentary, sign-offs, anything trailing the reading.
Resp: 8:42
